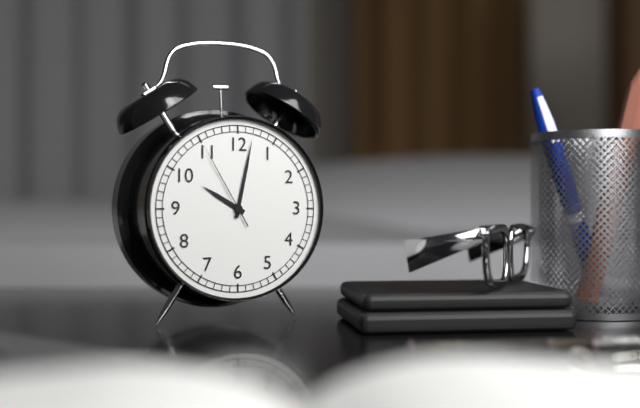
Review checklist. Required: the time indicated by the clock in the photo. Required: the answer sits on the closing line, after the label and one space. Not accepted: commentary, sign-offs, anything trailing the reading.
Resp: 10:02:55
